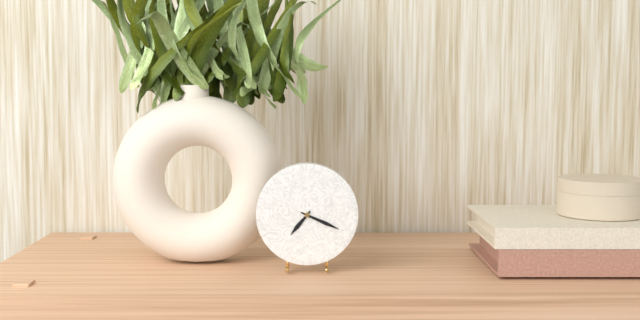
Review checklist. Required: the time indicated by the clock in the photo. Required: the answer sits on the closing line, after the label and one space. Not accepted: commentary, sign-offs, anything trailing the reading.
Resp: 7:19
